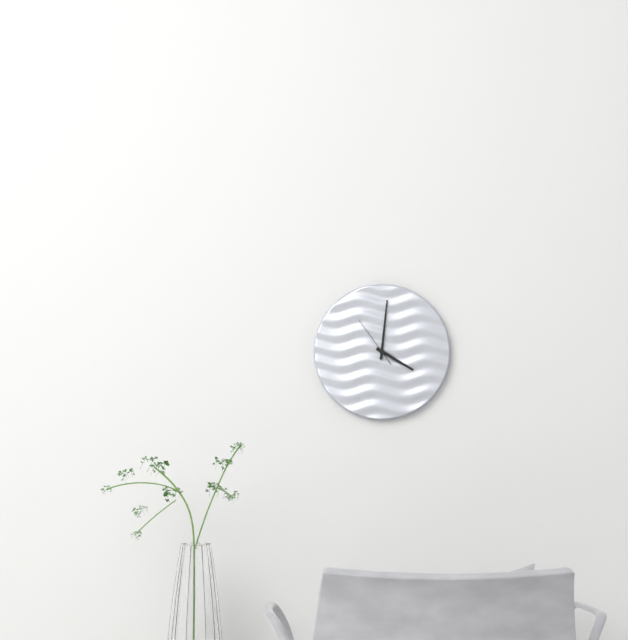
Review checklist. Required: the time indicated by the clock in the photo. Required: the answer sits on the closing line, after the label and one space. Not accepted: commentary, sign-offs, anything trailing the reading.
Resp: 4:01
